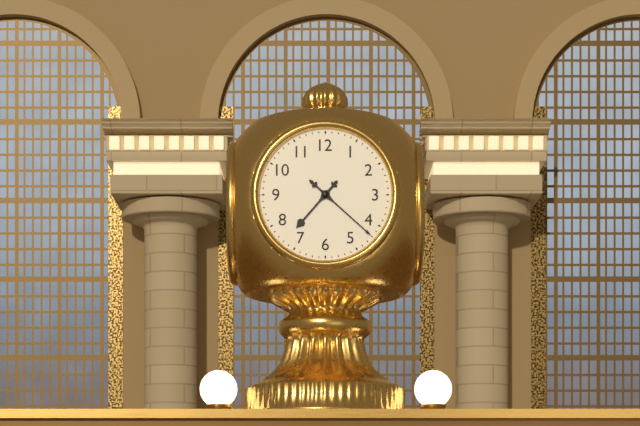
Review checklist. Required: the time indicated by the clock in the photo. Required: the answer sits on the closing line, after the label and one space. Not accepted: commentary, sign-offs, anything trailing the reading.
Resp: 7:22
